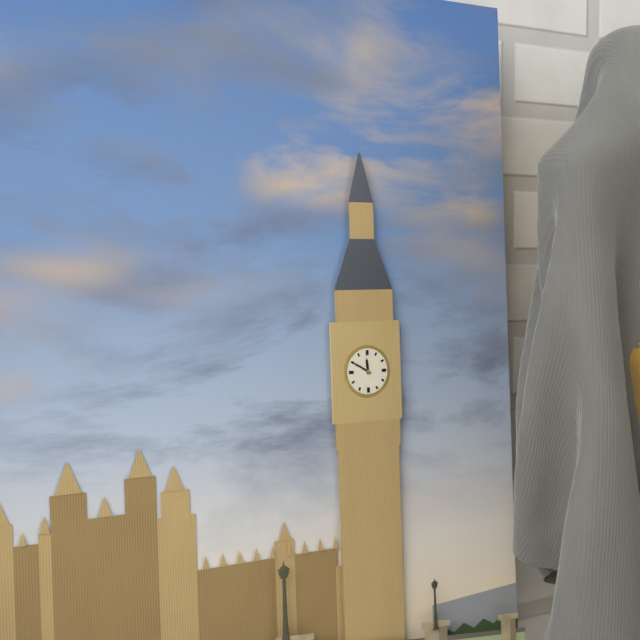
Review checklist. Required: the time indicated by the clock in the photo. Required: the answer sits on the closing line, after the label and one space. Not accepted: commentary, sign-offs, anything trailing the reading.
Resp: 11:50
